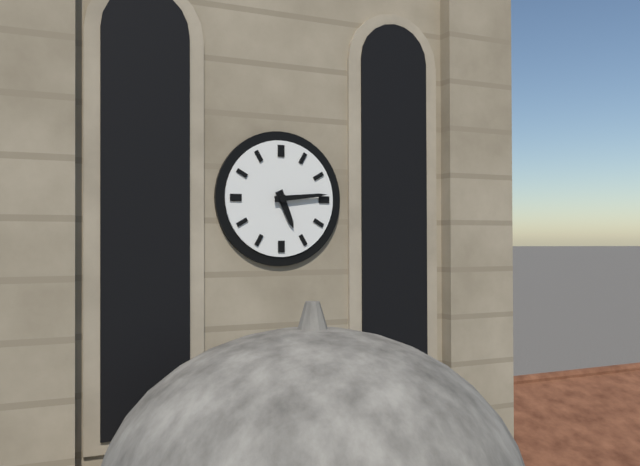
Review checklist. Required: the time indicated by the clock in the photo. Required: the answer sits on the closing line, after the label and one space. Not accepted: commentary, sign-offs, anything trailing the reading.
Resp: 5:14
